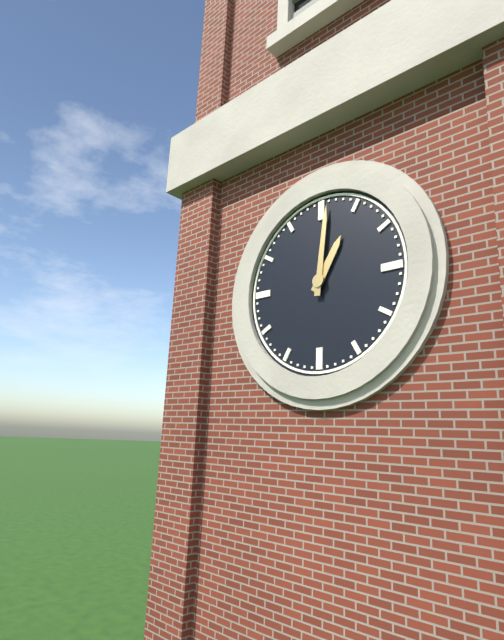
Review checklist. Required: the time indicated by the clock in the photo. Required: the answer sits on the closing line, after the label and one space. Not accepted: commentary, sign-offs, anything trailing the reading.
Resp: 1:01
